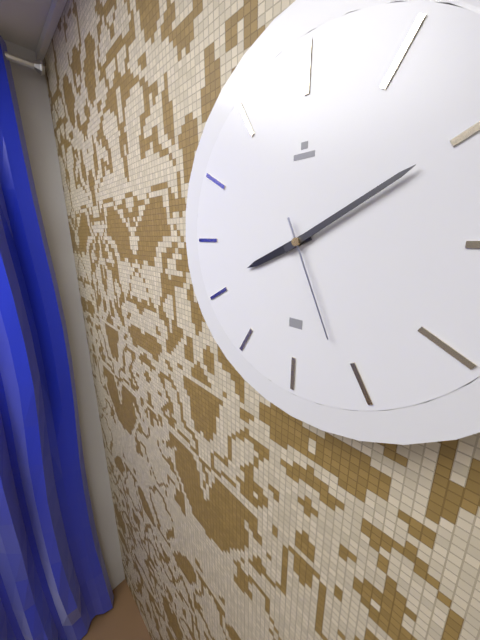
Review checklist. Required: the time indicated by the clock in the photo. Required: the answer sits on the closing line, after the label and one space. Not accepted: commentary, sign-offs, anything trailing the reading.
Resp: 8:10:26
